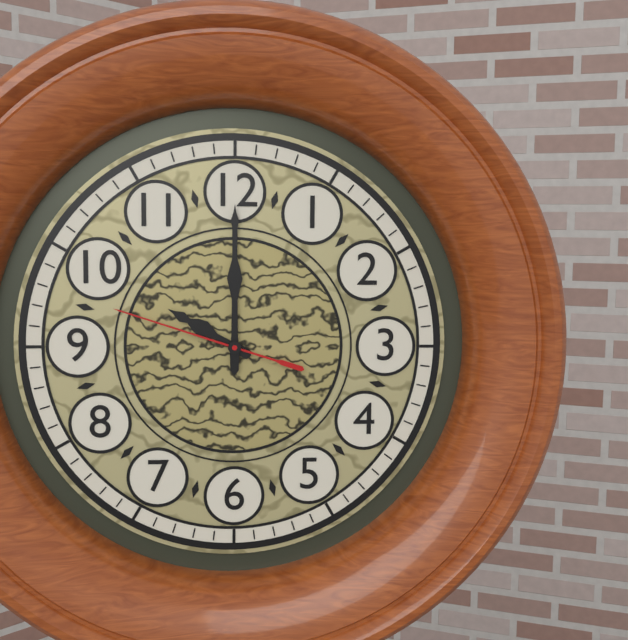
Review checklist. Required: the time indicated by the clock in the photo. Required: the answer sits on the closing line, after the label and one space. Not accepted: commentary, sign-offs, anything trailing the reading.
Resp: 10:00:48
